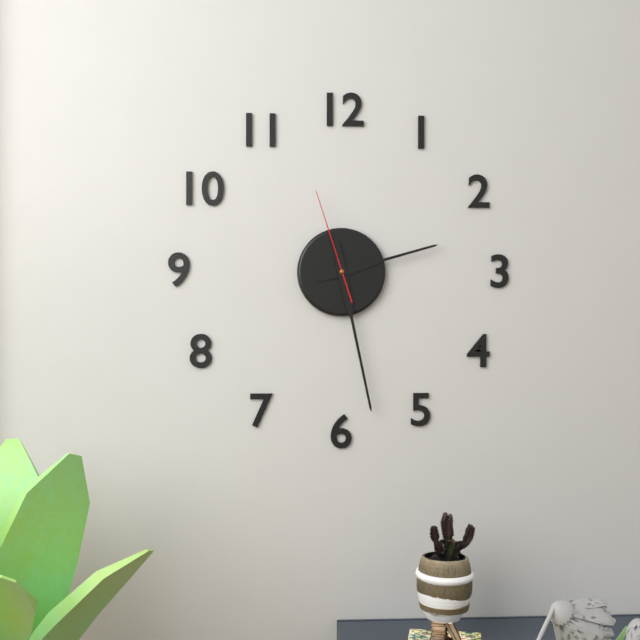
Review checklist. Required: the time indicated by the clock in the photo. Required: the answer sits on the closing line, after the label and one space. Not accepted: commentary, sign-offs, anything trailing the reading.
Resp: 2:28:57
